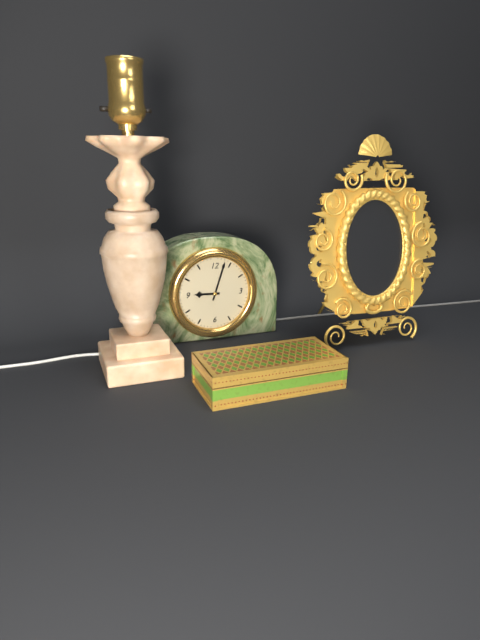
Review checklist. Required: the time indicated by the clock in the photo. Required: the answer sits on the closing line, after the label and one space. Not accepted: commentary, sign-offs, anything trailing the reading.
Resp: 9:03
